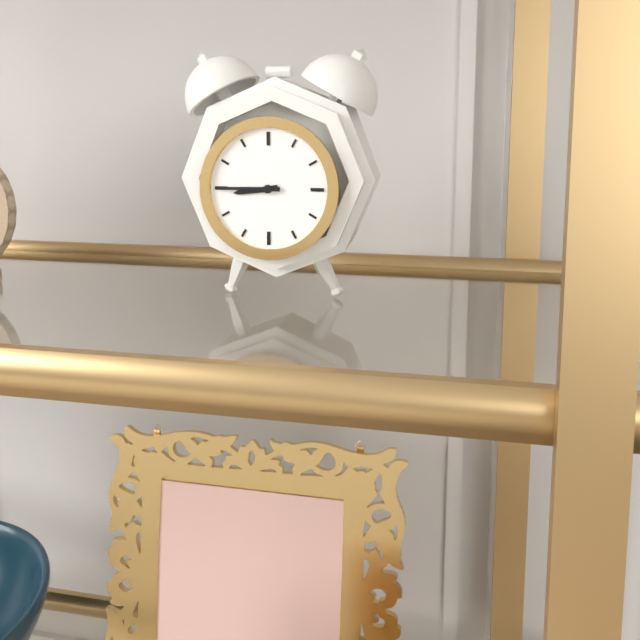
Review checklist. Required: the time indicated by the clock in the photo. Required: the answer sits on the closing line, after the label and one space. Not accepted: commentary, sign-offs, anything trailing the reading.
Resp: 8:45
